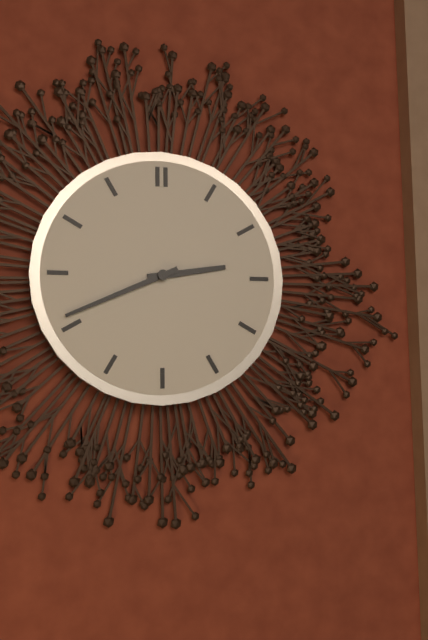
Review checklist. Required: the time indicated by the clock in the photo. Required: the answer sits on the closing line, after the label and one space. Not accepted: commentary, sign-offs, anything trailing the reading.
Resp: 2:41
